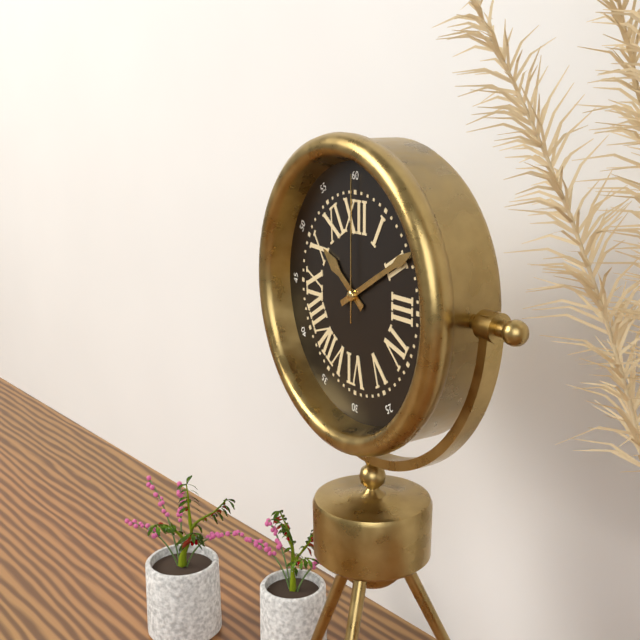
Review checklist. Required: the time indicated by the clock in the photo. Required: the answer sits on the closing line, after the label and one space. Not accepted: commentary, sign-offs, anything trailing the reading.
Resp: 10:10:00
